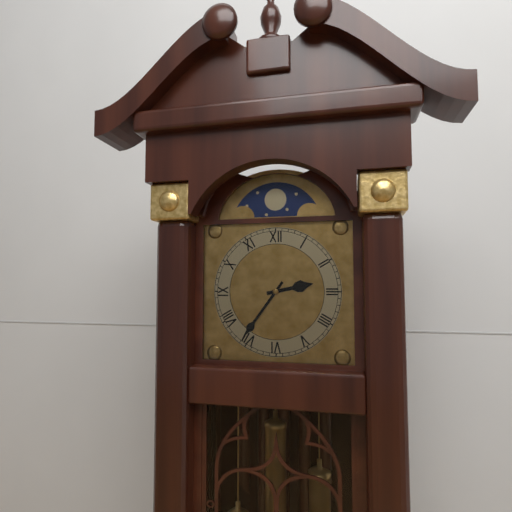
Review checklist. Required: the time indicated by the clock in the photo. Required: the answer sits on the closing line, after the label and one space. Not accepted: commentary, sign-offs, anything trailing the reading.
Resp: 2:36
